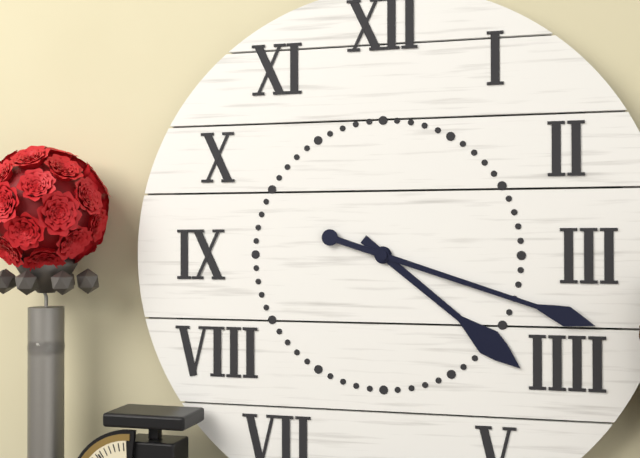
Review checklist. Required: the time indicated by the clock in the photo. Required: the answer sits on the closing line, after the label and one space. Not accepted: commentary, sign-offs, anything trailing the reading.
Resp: 4:18
